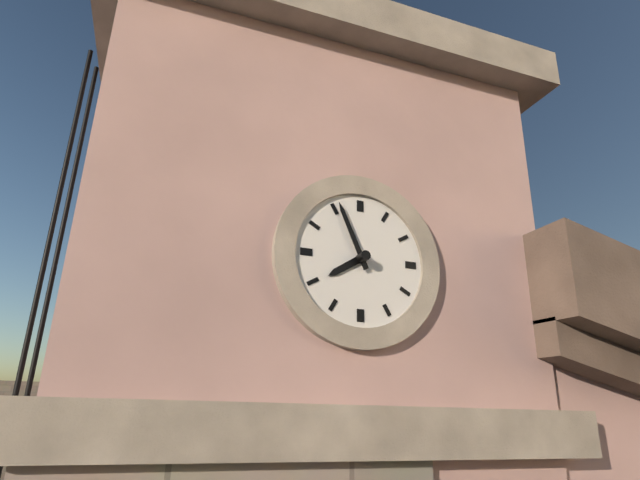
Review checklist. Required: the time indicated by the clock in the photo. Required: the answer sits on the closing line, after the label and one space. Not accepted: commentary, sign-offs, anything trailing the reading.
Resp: 7:56
